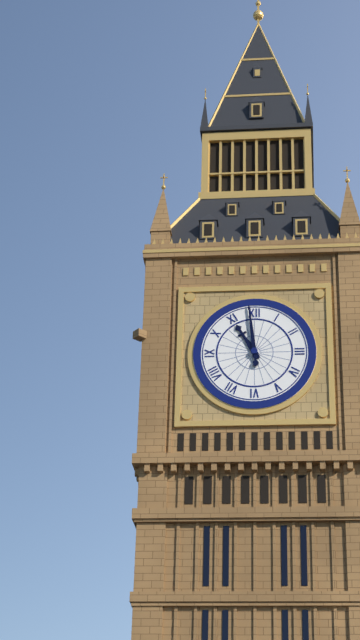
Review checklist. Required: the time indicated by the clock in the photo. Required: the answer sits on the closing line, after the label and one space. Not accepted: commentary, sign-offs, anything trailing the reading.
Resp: 10:59
